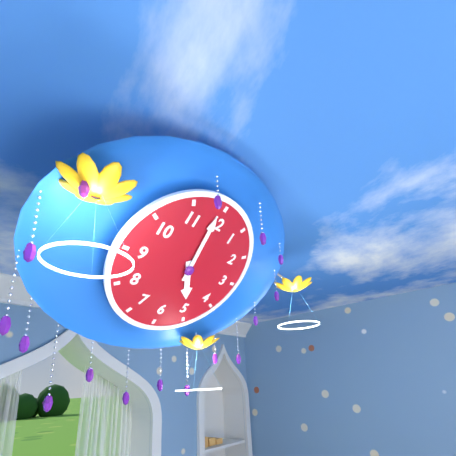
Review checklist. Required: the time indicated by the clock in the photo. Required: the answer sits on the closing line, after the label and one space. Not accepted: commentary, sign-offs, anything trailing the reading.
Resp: 4:59
